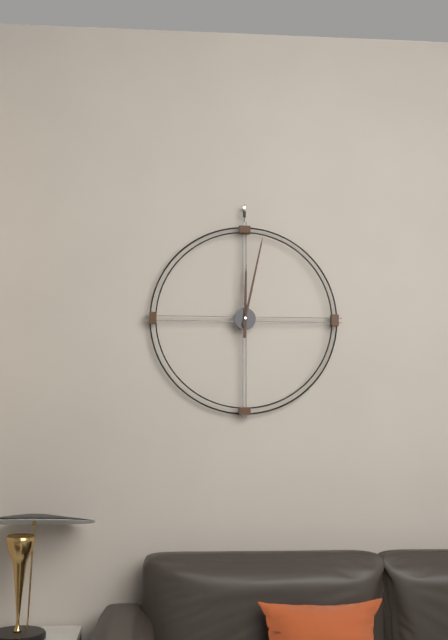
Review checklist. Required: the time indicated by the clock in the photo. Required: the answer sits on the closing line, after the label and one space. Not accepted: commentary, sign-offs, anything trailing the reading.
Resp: 12:02
